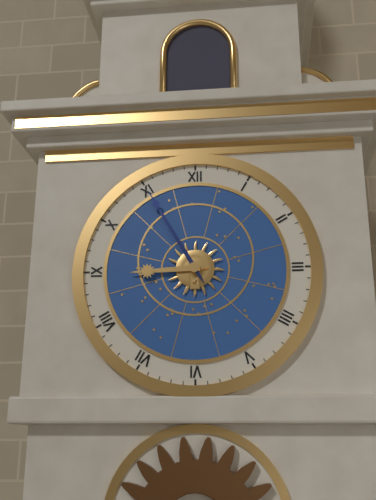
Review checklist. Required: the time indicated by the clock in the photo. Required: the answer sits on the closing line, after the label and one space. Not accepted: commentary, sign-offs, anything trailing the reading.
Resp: 8:55
